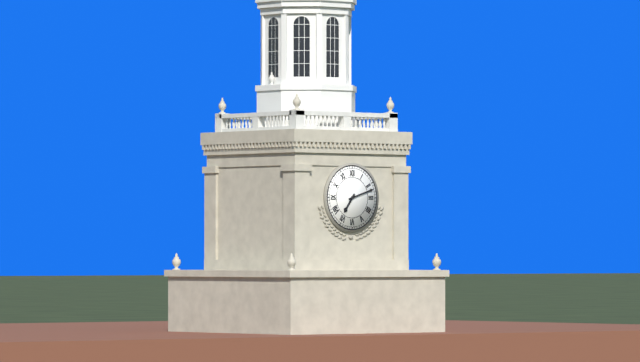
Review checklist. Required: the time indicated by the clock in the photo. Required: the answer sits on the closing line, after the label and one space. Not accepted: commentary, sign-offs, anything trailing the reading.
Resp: 7:12
